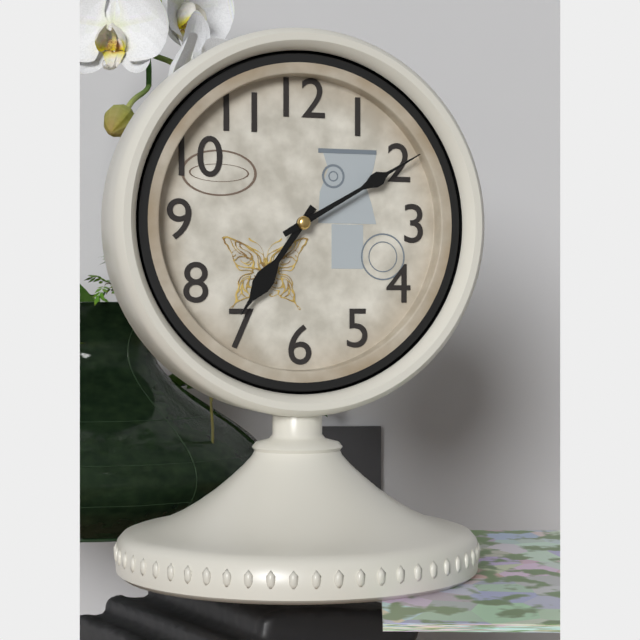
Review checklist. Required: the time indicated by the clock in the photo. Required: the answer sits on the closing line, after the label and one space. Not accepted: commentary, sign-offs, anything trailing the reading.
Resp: 7:10
